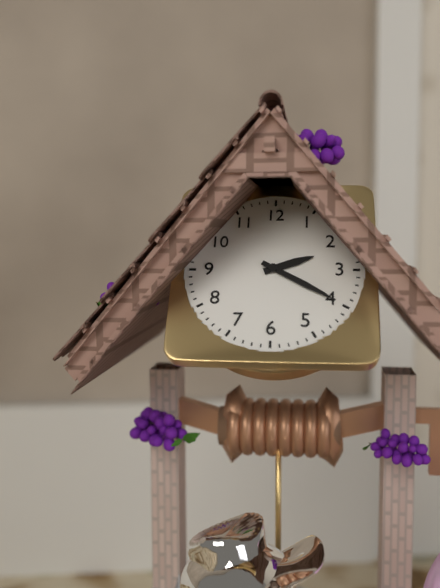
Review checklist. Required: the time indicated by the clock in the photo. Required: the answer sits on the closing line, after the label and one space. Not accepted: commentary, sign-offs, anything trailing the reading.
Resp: 2:20
